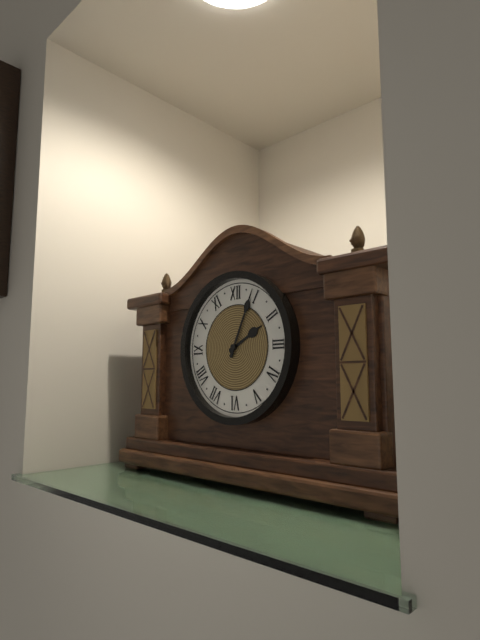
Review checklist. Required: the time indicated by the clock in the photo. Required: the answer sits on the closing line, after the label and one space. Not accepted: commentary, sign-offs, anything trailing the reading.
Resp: 2:04
